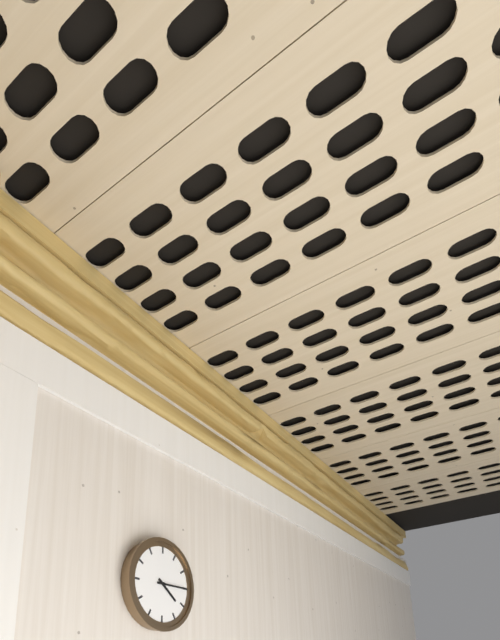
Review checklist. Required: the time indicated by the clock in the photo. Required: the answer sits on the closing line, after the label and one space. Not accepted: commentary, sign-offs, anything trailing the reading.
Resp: 4:15
